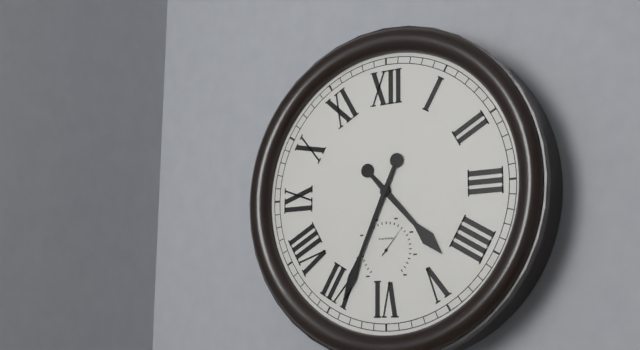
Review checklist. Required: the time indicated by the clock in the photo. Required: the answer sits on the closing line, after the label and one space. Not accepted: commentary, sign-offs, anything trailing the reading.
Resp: 4:34
